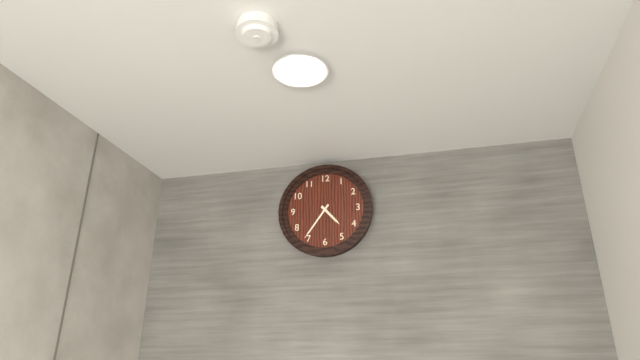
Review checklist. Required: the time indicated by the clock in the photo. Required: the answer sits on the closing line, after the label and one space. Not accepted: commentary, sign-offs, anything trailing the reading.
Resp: 4:36
